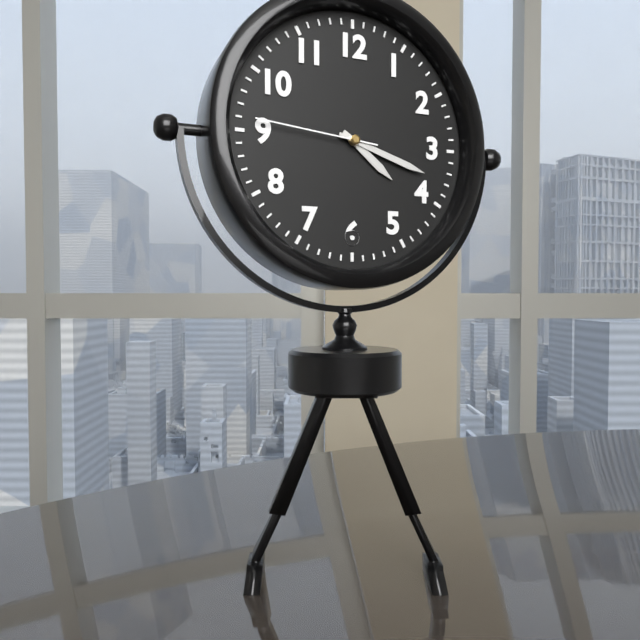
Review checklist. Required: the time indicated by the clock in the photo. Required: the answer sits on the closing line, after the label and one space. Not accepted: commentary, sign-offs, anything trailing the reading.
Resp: 4:18:46
